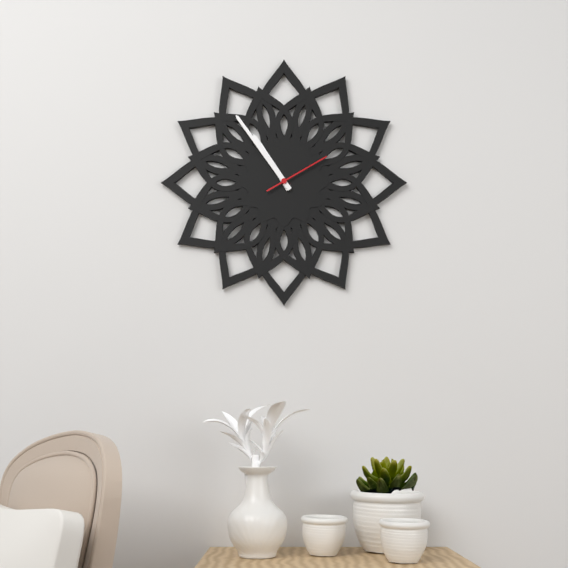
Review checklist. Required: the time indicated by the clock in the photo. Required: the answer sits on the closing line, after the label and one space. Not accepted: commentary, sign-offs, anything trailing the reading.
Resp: 10:54:10
